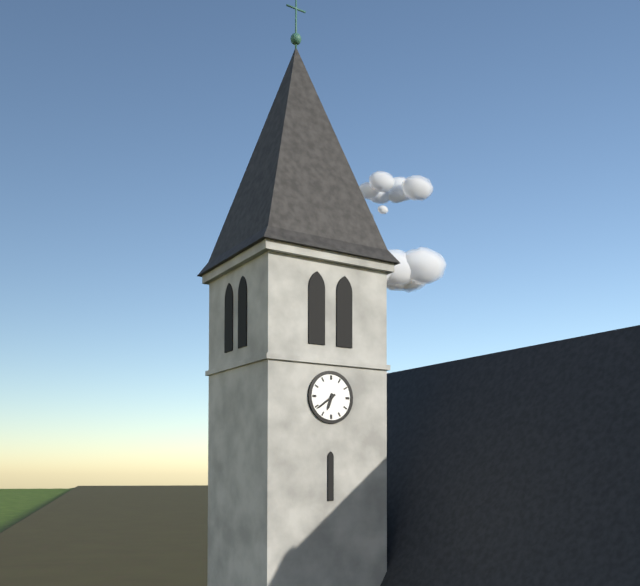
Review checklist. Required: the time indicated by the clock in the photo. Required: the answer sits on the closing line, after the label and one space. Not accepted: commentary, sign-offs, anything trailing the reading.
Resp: 6:39
